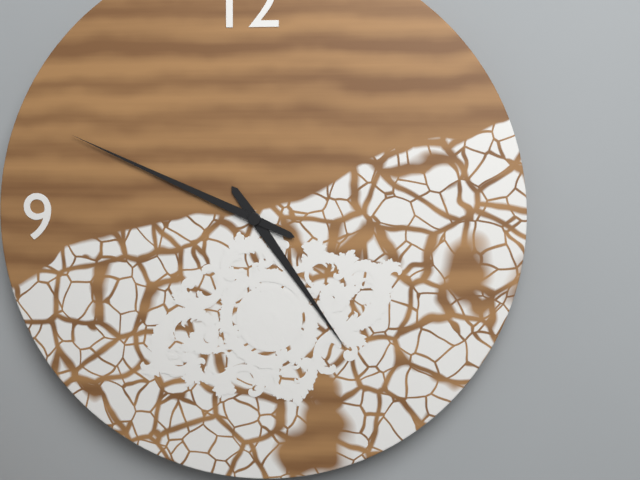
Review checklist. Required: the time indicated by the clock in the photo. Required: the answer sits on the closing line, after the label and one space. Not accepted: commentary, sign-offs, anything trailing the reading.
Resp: 4:49
